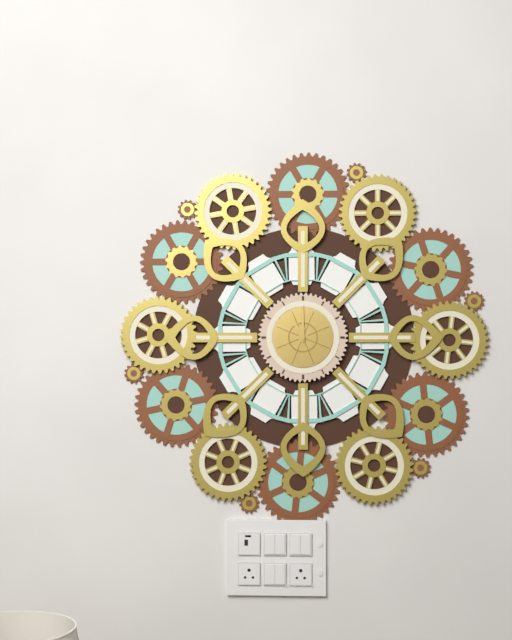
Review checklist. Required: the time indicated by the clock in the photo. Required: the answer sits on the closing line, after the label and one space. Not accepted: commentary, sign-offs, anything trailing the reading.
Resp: 11:00
